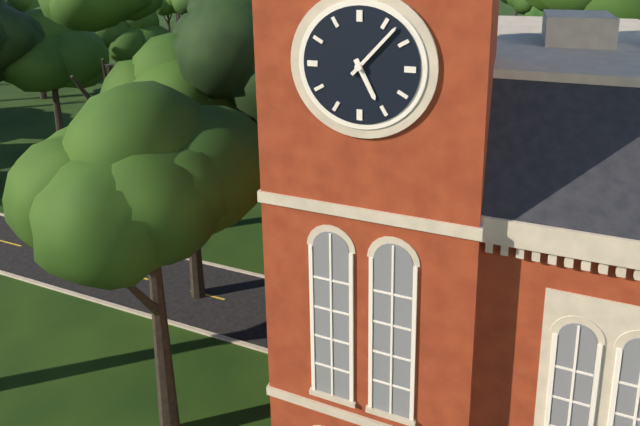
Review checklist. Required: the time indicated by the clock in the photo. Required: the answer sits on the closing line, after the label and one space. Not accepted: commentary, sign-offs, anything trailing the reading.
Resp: 5:07
